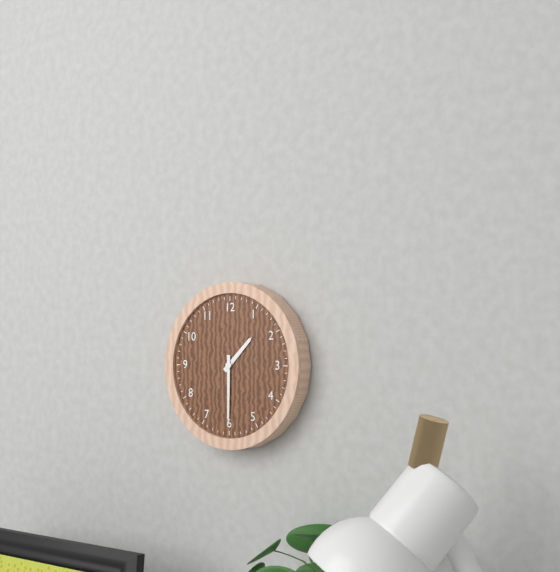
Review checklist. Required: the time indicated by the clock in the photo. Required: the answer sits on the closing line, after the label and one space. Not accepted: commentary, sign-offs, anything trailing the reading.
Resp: 1:30
